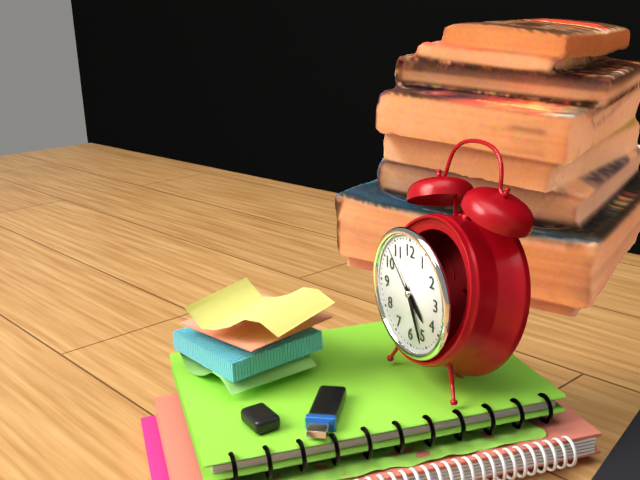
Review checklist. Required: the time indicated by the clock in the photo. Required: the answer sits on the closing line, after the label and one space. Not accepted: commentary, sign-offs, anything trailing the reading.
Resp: 4:26:53
